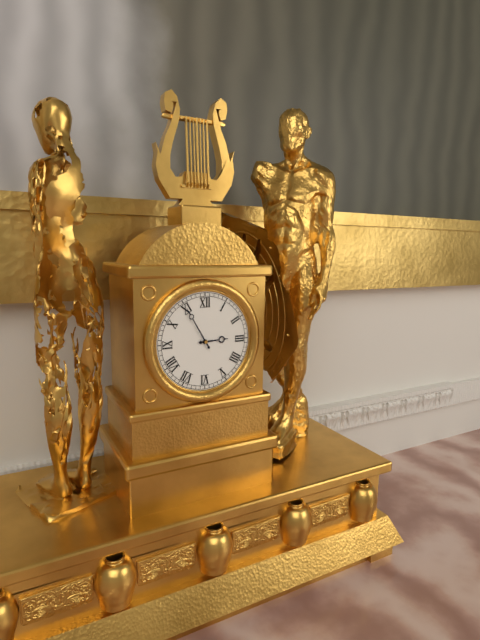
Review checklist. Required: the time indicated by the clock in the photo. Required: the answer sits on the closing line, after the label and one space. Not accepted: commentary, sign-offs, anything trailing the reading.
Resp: 2:55
